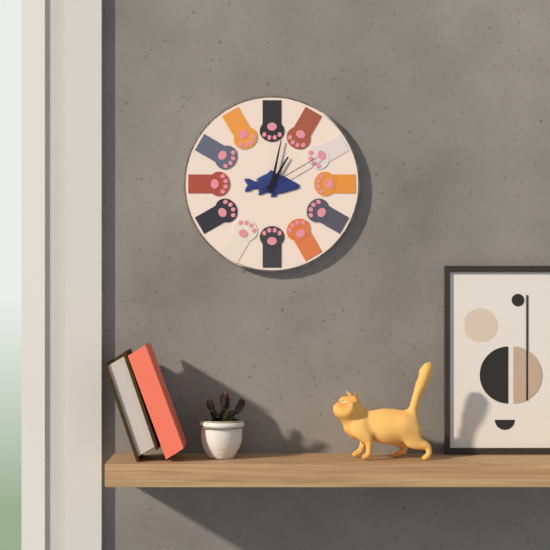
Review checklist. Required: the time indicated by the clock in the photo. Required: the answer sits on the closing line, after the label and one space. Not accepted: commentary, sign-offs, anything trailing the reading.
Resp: 1:02:10
